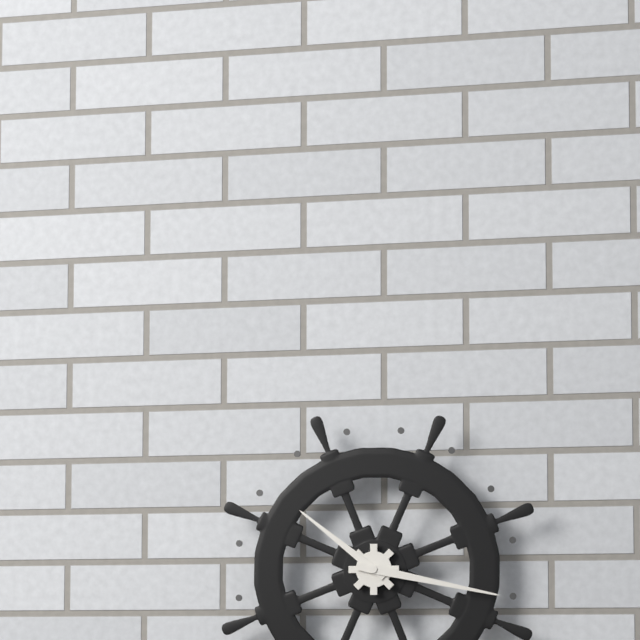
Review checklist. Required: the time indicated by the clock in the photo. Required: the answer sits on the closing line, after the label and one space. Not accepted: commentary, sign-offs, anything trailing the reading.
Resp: 10:17
